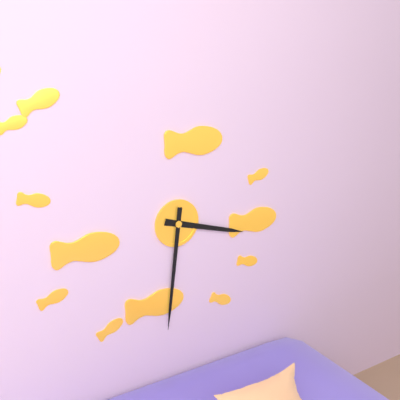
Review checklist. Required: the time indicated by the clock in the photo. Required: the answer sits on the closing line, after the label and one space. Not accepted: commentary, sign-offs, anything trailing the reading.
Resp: 3:31
